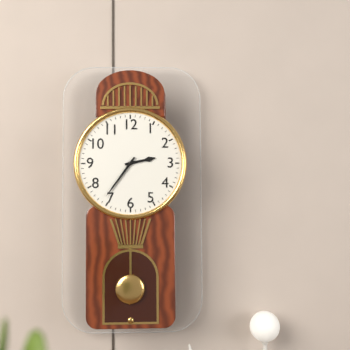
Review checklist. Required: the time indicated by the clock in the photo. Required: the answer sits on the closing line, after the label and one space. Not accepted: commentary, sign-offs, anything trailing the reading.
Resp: 2:36
